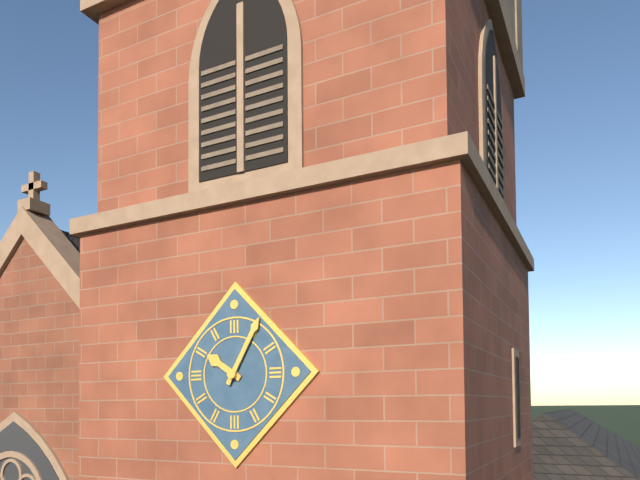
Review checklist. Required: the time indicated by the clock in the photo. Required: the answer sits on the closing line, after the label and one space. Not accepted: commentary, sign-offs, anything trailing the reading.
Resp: 10:05
